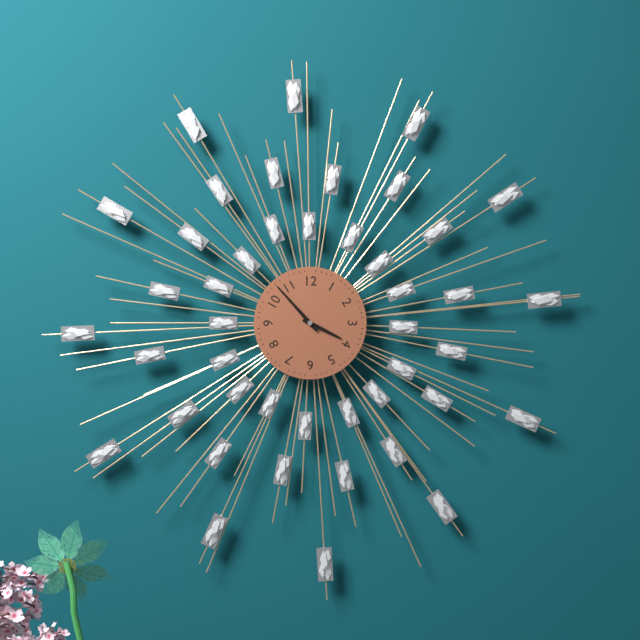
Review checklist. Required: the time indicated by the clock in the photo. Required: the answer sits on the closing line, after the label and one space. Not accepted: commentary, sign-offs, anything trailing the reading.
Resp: 3:53
